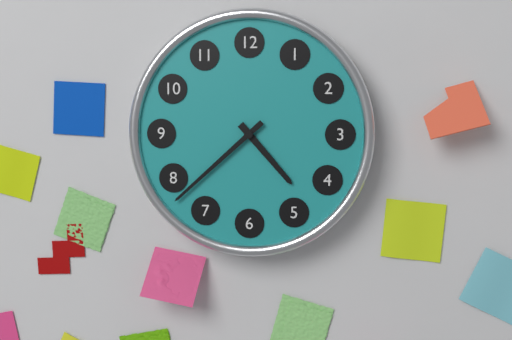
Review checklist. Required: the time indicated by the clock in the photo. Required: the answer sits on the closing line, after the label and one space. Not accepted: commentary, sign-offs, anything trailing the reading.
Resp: 4:38
